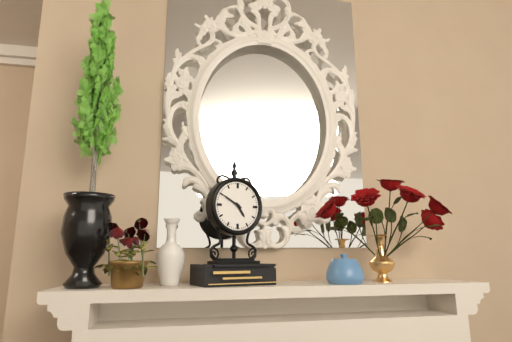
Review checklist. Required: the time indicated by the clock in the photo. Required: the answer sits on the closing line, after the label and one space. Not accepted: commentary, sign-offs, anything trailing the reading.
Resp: 4:50
